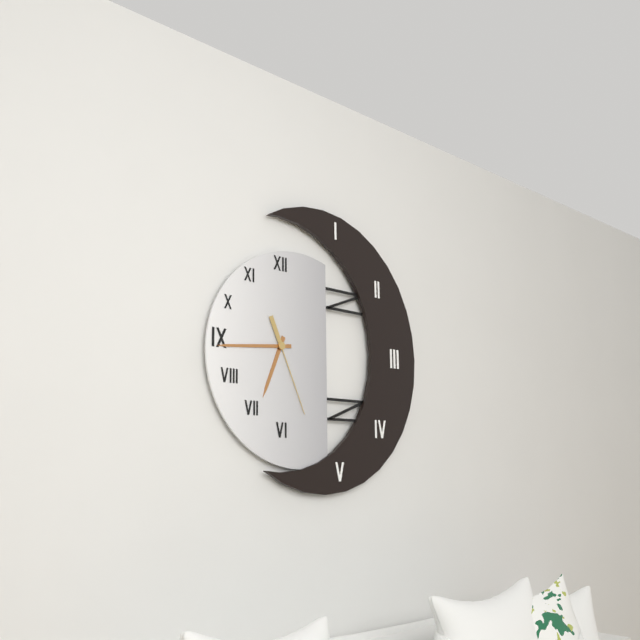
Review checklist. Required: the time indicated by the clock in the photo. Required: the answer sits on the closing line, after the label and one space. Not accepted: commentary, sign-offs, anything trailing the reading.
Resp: 6:44:26
